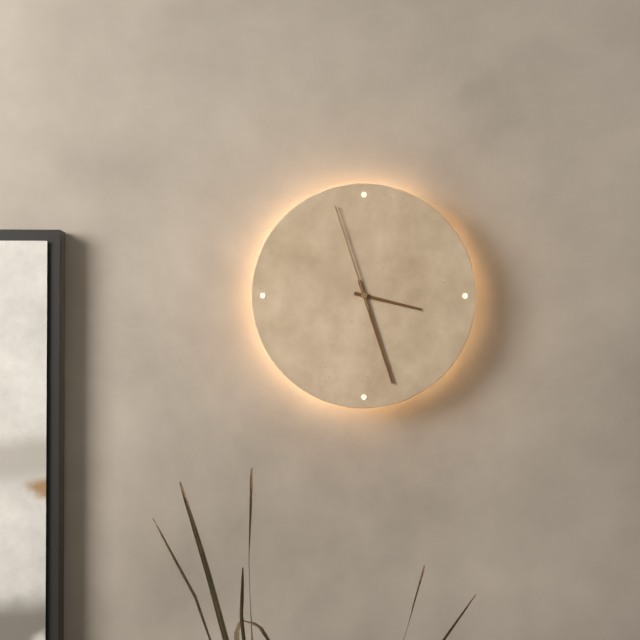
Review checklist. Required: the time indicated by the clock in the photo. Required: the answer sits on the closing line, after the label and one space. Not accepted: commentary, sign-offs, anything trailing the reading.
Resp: 3:27:57
